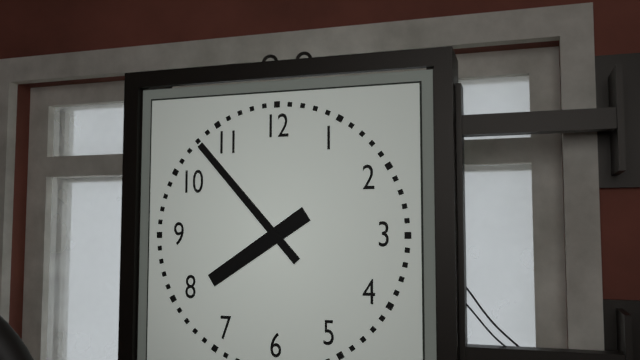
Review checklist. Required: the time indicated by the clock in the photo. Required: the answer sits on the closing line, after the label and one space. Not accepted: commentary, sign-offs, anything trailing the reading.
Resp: 7:53
